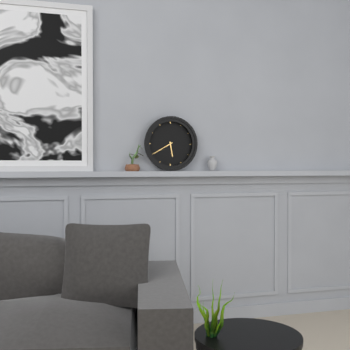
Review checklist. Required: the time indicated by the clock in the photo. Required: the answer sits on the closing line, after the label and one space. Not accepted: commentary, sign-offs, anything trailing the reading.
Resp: 5:40
